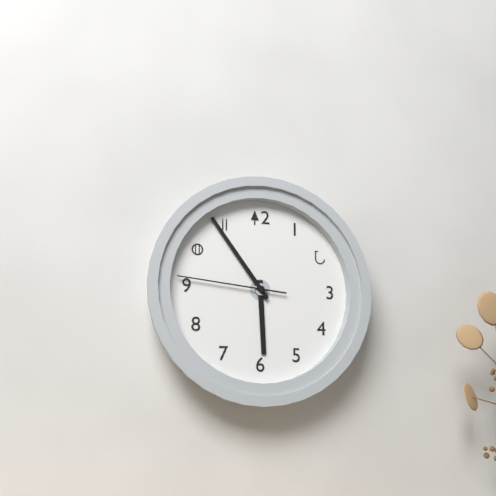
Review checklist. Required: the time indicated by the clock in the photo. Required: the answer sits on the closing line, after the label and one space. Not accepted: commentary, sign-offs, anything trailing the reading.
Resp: 5:54:46
